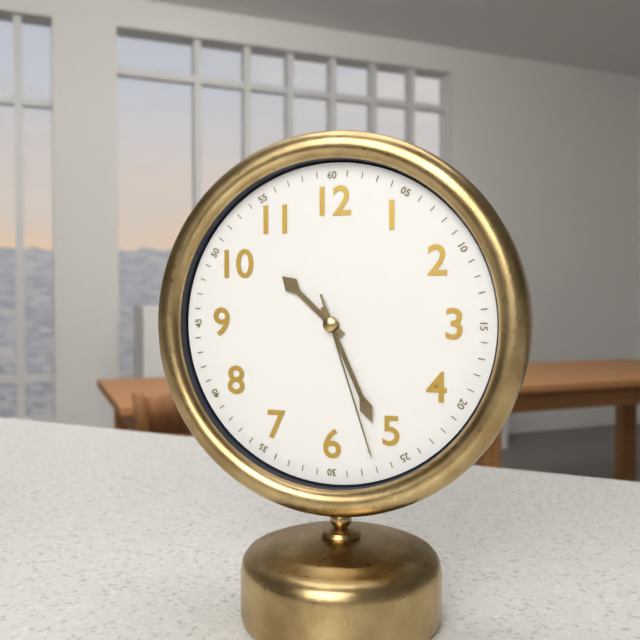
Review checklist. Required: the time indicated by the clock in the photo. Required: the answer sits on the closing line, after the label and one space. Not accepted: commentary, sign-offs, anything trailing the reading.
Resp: 10:26:27
